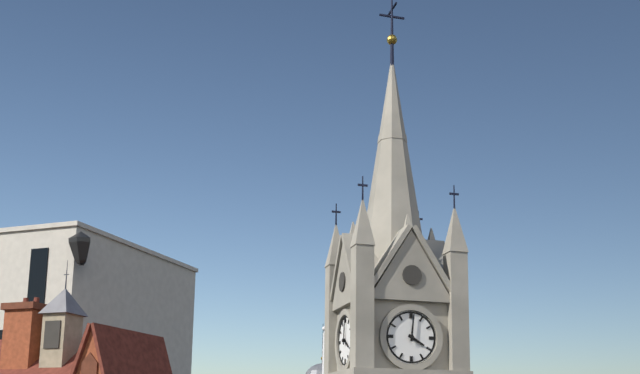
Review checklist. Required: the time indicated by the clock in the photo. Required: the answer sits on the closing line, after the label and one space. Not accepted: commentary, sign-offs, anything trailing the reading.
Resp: 4:01
